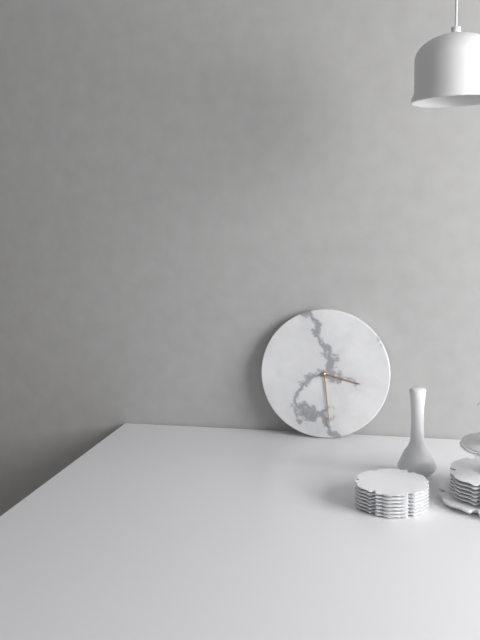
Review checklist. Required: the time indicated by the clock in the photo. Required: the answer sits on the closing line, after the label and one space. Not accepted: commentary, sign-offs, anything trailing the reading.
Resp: 3:29
